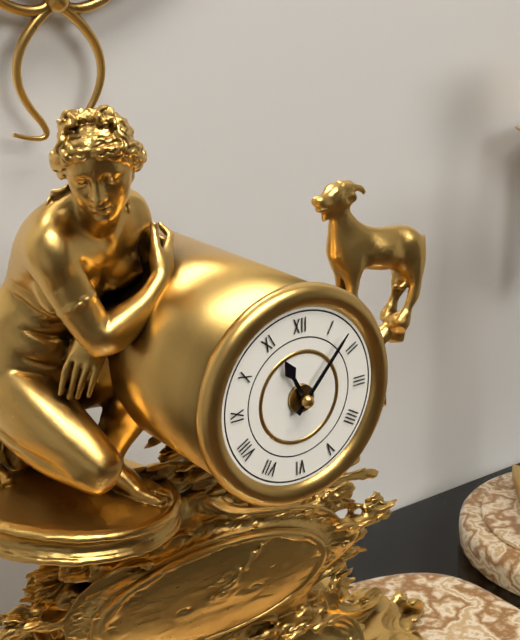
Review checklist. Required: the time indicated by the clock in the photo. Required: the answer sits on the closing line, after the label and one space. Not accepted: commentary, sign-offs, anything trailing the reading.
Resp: 11:07
